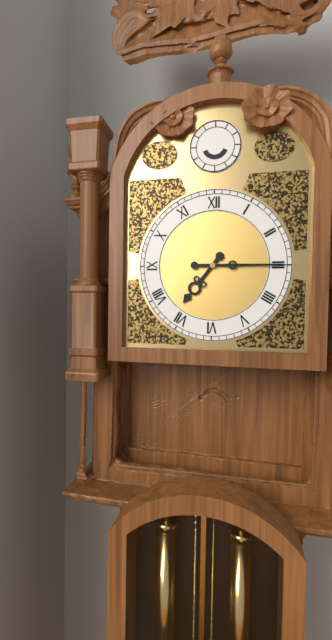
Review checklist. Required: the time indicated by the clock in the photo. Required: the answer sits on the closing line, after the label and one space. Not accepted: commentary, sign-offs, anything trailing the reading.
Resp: 7:15
